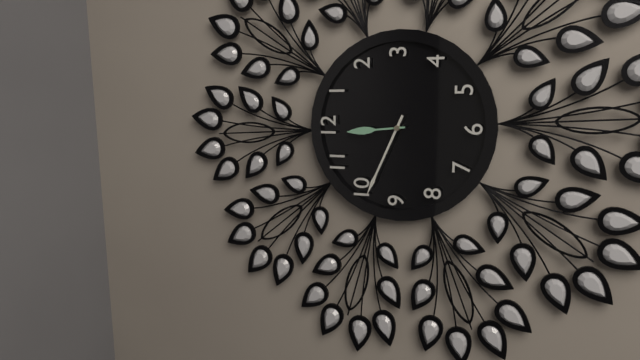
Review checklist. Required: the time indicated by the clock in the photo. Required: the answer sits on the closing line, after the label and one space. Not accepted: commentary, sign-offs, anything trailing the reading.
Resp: 11:49
